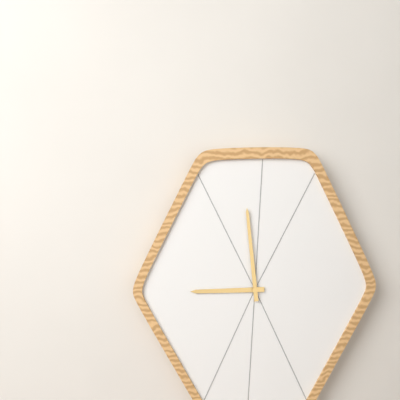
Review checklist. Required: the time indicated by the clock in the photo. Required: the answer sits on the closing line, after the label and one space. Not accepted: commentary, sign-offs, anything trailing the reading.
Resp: 8:59
